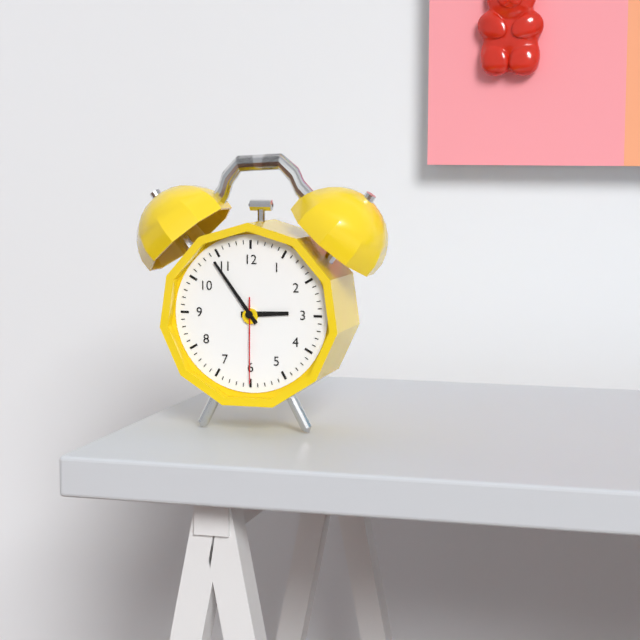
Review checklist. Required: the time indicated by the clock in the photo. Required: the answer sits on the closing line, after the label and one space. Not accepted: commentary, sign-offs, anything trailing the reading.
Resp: 2:54:30
